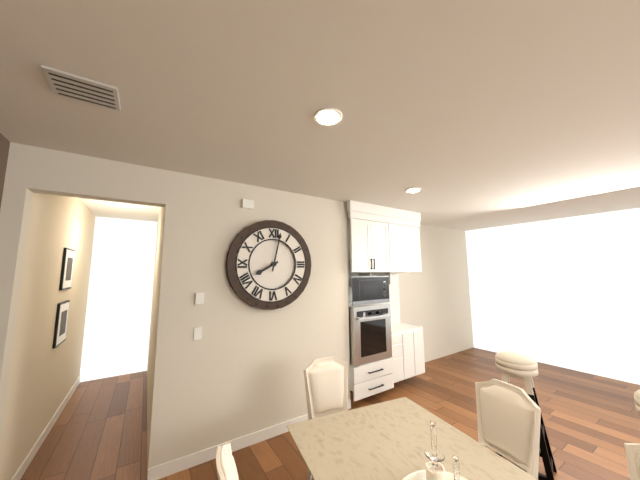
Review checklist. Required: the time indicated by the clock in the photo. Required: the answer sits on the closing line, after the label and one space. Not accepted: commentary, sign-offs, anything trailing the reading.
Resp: 8:02
